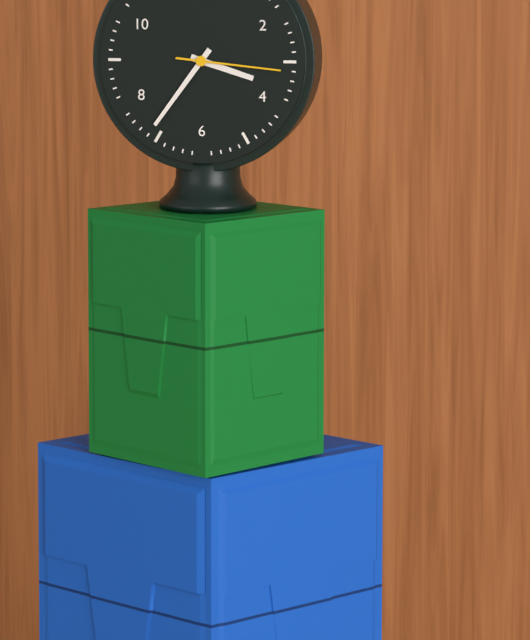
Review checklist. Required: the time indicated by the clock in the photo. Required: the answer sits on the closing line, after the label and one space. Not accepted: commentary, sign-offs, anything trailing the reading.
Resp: 3:36:16
